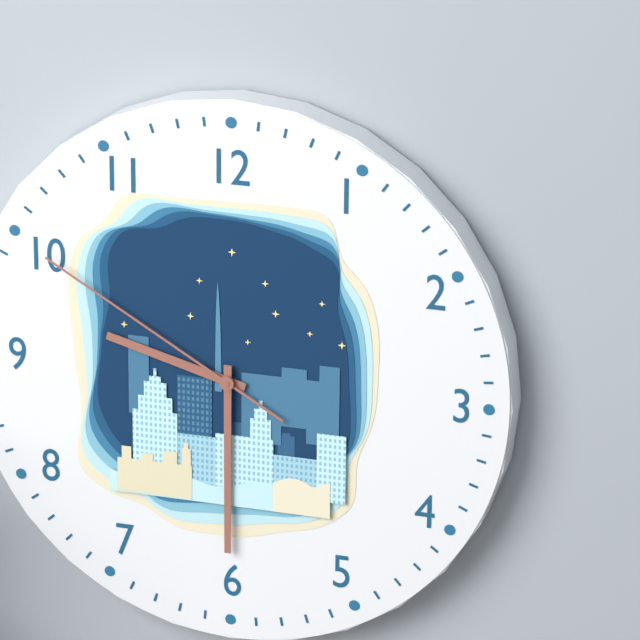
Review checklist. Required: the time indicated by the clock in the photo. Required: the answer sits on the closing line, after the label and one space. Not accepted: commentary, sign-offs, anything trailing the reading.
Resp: 9:30:50
